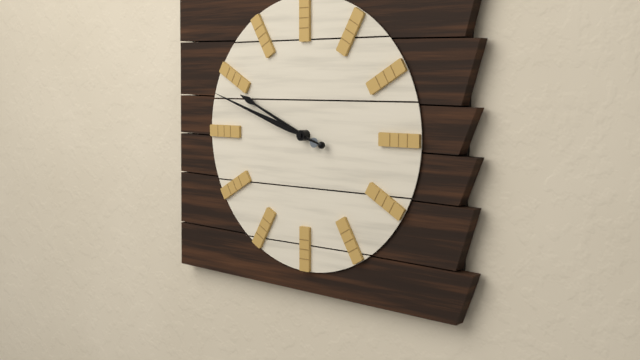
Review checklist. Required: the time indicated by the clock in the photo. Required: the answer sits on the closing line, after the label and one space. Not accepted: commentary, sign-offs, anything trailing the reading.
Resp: 9:48
